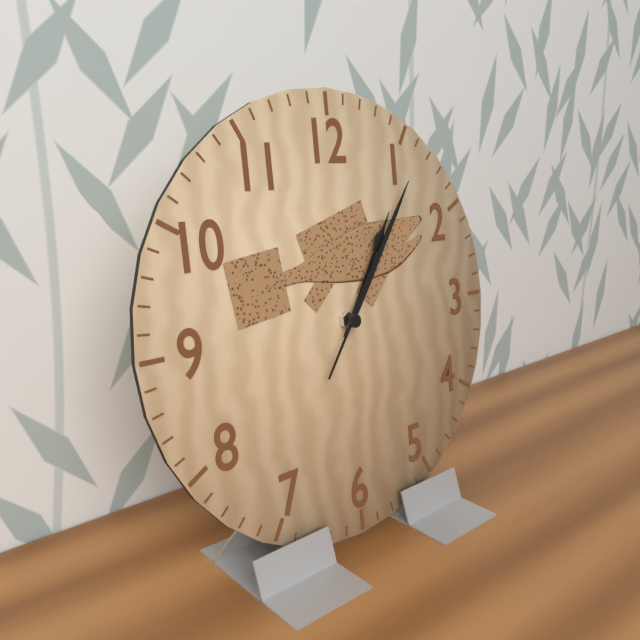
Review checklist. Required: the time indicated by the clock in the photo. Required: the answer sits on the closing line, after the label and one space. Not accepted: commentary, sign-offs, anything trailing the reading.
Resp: 1:06
